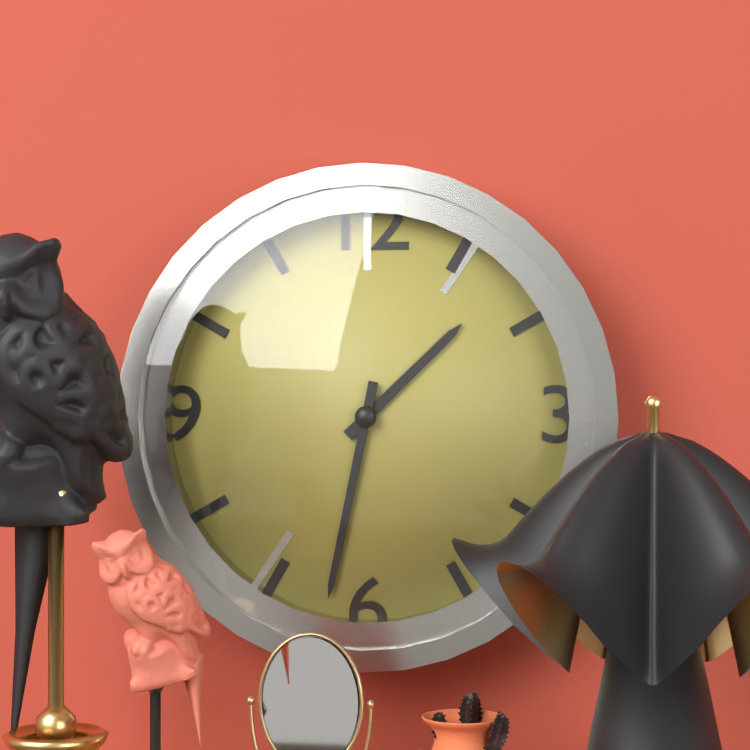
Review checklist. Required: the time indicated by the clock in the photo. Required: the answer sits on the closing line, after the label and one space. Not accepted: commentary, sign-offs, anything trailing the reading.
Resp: 1:32
